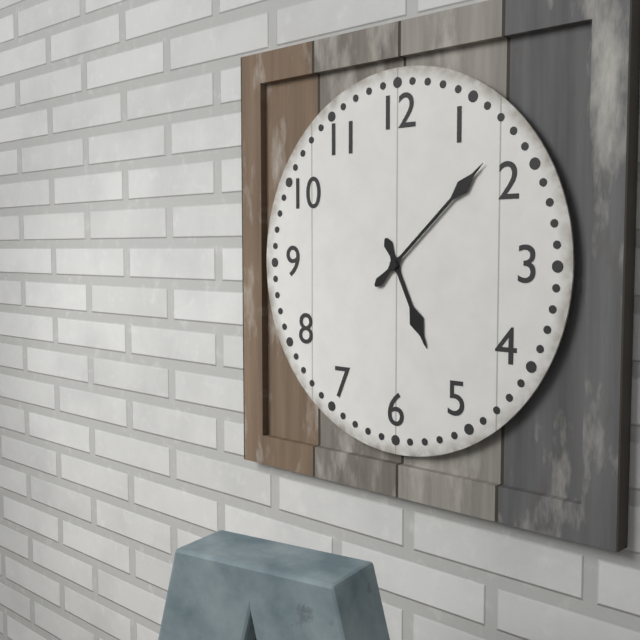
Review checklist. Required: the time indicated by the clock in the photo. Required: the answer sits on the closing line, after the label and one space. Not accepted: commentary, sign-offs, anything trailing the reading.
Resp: 5:08
